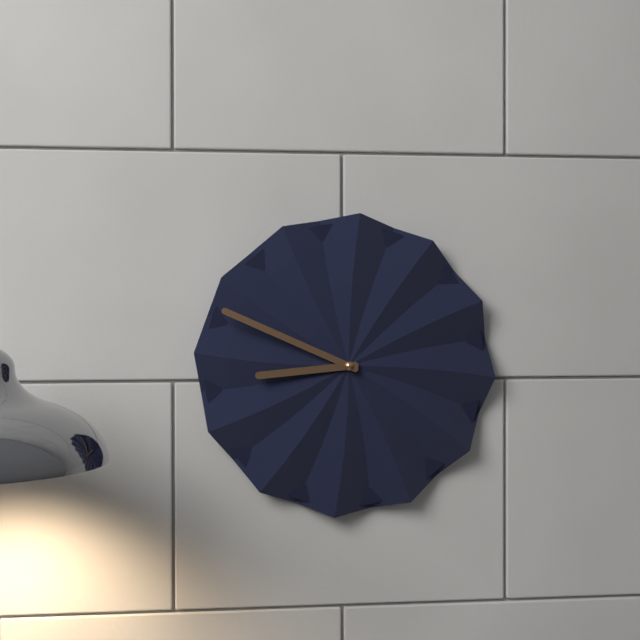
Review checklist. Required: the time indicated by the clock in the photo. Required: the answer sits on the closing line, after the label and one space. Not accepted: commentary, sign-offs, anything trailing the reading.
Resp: 8:49
